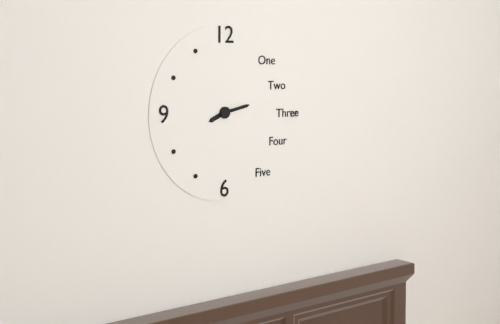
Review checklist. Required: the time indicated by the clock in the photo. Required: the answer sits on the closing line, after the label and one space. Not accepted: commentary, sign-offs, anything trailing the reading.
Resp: 8:13
